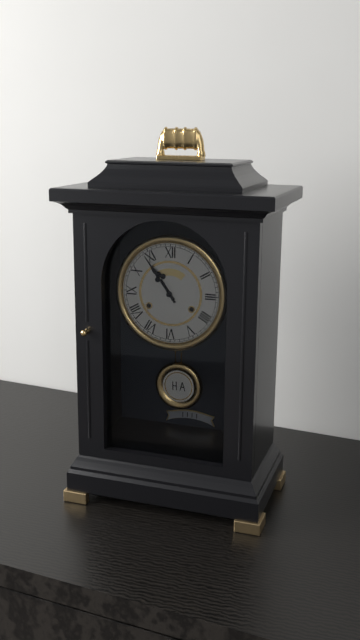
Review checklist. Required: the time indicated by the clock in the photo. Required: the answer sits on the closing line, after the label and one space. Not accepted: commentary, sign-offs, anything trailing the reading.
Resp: 10:54
